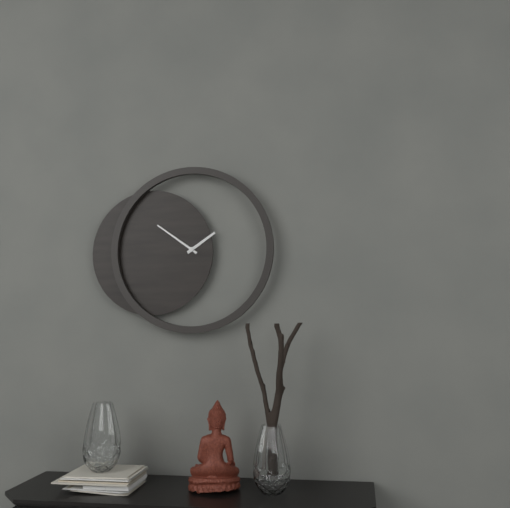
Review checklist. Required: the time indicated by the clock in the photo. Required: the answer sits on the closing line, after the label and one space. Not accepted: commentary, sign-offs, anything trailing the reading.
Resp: 1:51
